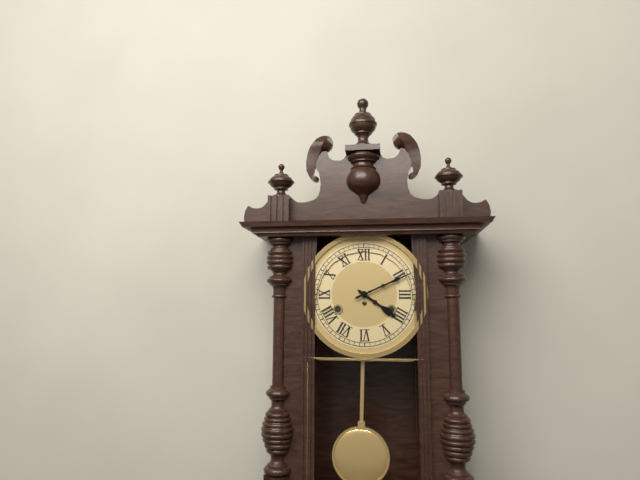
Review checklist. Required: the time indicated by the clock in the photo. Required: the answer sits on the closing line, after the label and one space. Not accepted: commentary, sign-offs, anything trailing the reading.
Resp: 4:11
